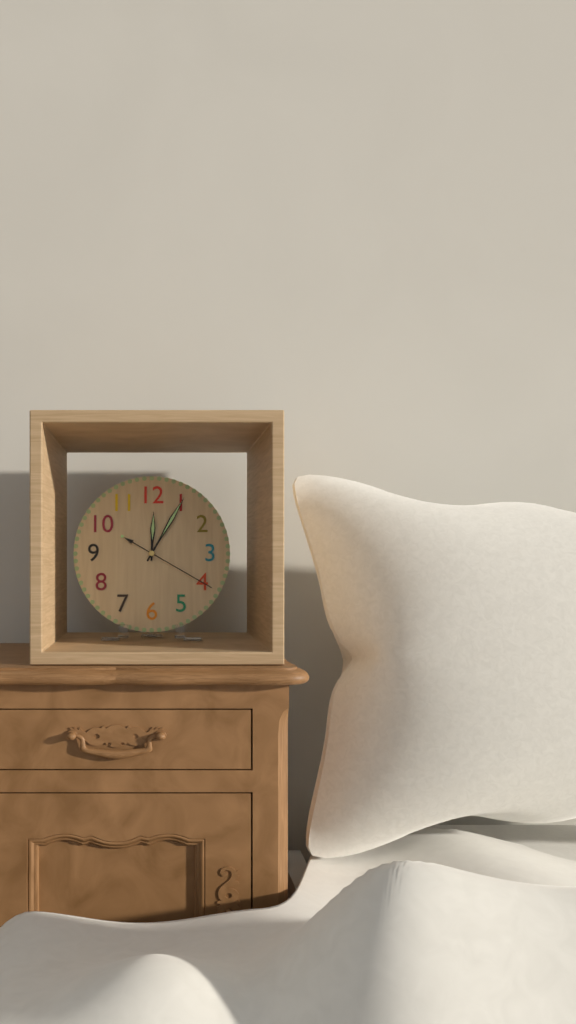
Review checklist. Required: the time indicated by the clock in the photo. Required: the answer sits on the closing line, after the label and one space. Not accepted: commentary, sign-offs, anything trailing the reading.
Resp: 12:05:20
